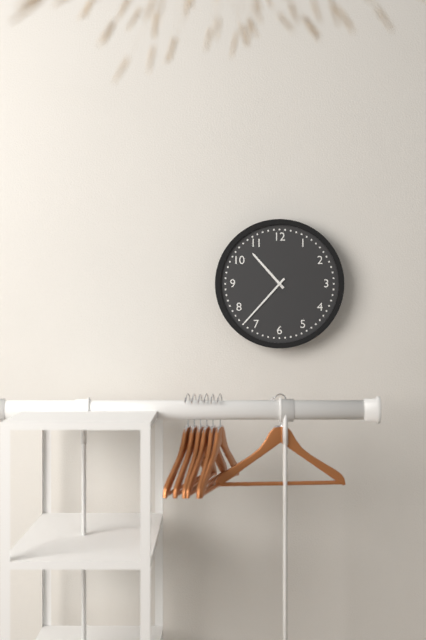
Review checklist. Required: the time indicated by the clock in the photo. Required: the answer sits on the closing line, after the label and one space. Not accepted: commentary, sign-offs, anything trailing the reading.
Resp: 10:37
